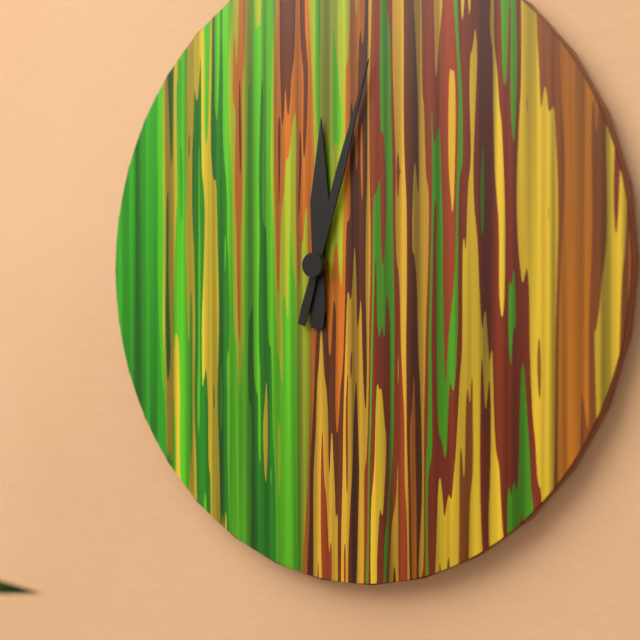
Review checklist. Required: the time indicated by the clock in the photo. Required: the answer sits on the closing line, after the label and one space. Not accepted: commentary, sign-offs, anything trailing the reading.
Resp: 12:03
